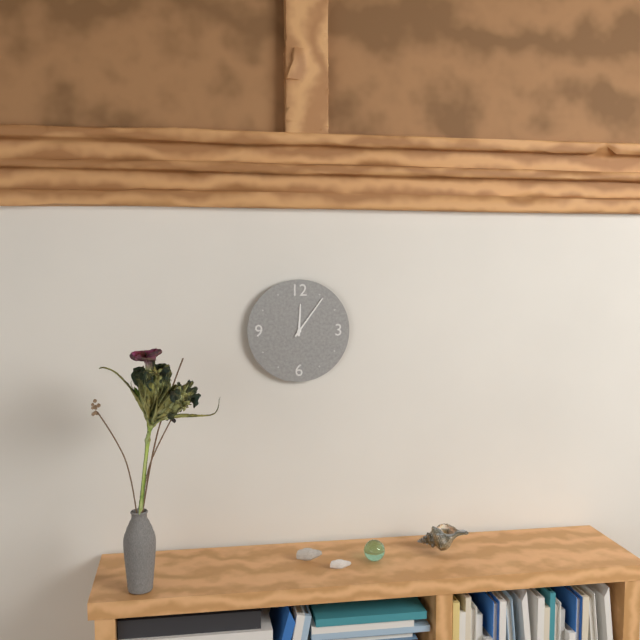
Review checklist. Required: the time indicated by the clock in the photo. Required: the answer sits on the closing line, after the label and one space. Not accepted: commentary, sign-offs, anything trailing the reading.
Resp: 12:06
